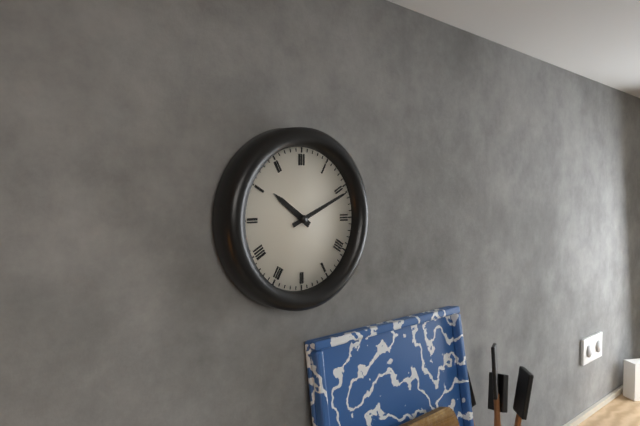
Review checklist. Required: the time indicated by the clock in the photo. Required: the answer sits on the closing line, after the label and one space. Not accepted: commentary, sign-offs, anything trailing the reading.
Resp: 10:11
